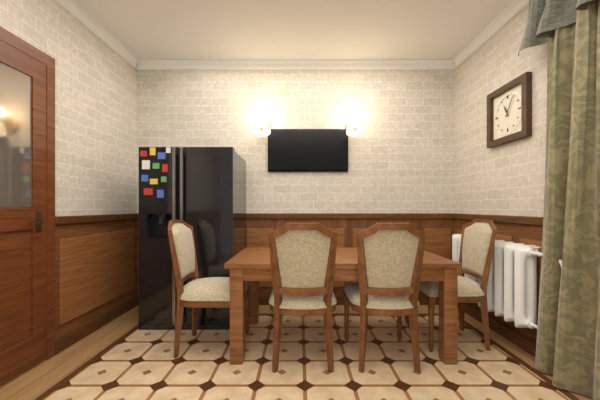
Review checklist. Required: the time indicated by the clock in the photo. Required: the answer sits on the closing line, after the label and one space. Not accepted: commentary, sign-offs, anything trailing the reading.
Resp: 11:05
